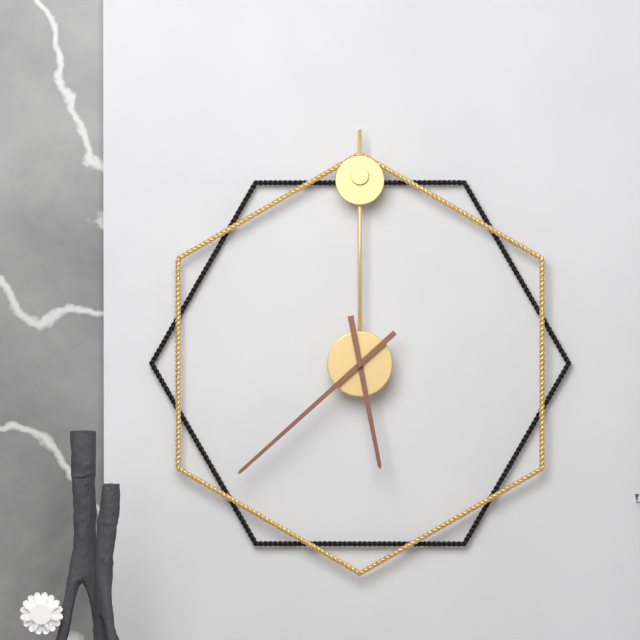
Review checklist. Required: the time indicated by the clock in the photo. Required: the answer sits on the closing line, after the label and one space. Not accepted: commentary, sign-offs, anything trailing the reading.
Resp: 5:38
